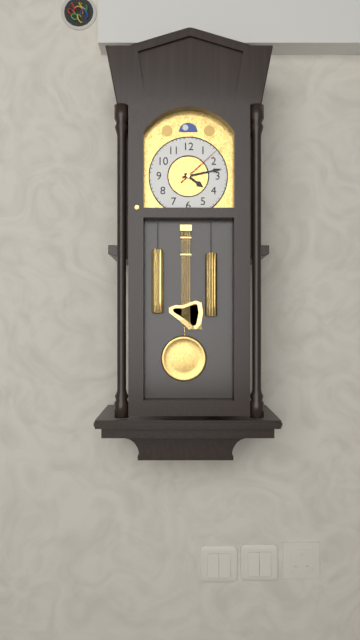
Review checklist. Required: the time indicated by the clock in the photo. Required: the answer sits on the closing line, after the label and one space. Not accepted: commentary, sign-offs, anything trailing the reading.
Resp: 4:13
